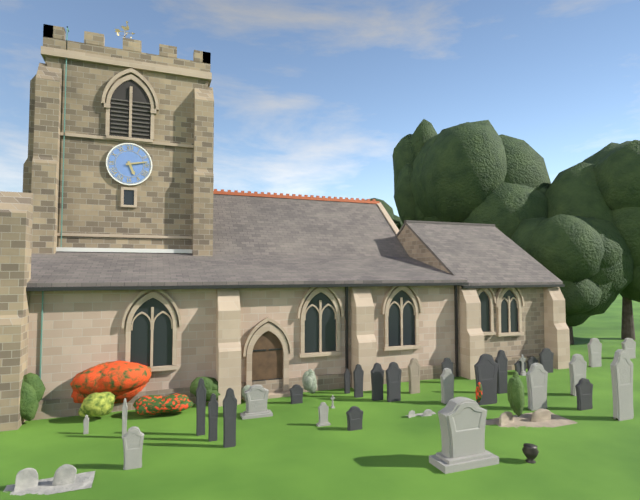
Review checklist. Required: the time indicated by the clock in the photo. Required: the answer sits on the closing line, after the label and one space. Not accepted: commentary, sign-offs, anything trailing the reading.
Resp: 5:13
